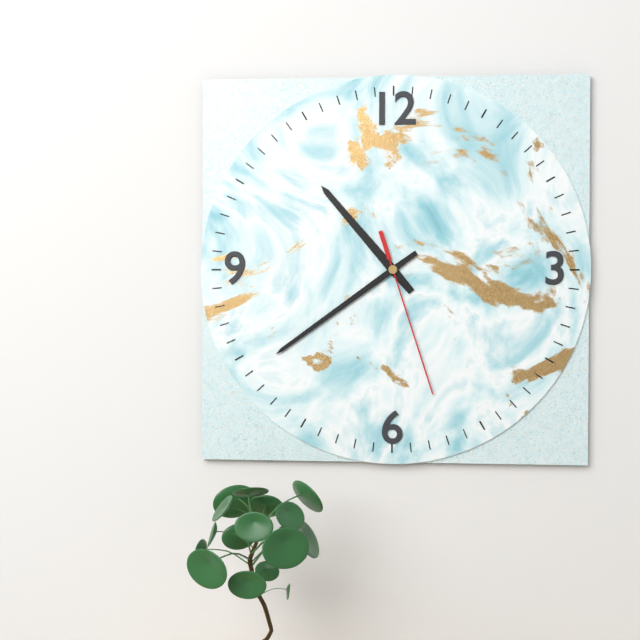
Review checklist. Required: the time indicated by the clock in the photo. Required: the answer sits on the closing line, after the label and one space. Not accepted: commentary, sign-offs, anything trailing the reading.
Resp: 10:39:27
